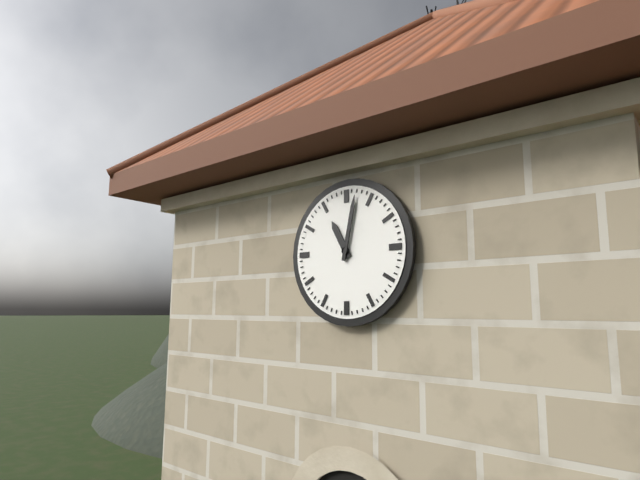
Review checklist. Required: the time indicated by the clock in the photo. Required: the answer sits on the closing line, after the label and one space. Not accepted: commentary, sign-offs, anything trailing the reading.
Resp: 11:02
